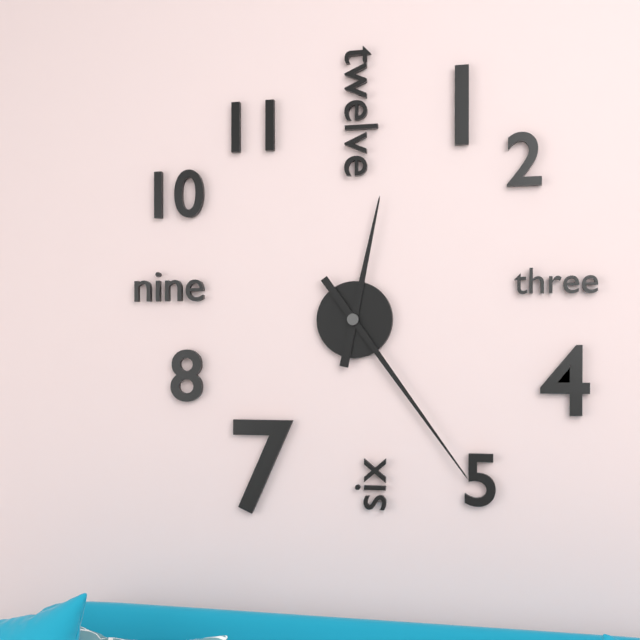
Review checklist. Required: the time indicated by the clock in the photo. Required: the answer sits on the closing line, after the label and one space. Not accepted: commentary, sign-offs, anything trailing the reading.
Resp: 12:24
